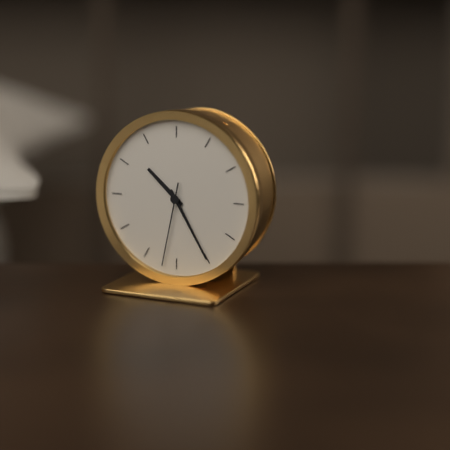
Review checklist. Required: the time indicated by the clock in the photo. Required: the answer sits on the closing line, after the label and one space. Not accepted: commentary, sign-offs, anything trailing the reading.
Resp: 10:25:32
